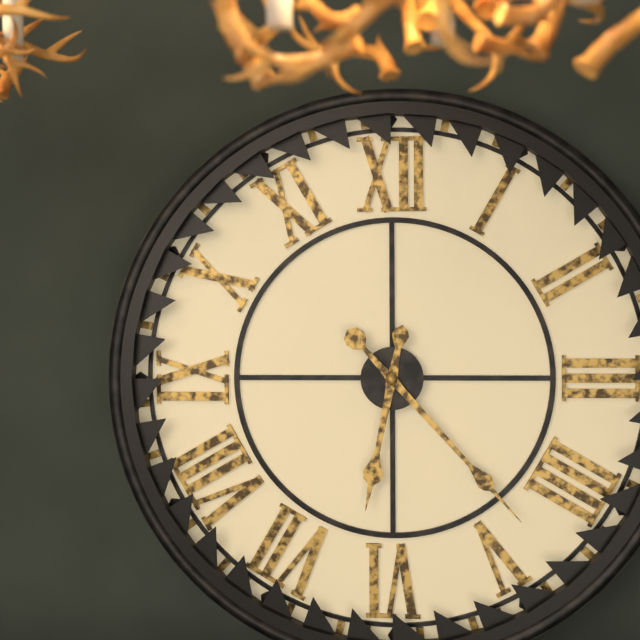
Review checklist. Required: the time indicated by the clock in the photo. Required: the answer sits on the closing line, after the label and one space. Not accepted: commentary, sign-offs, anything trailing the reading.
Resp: 6:23
